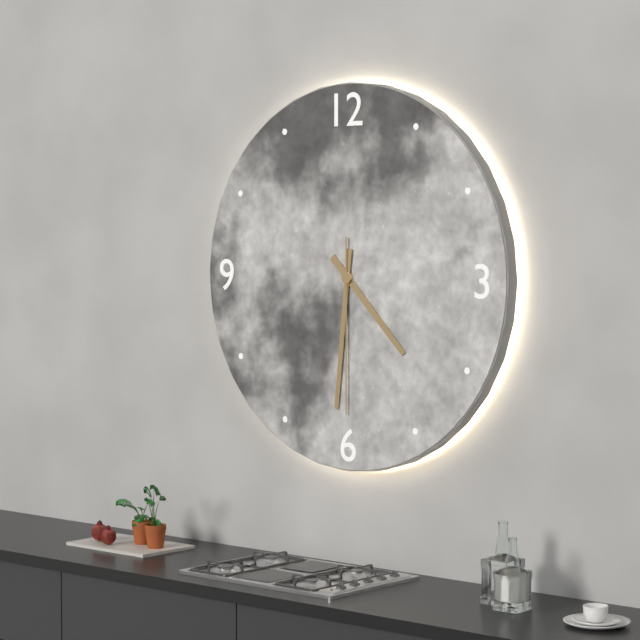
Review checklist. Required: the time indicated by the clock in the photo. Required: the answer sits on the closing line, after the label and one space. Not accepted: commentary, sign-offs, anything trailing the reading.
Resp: 4:31:30
